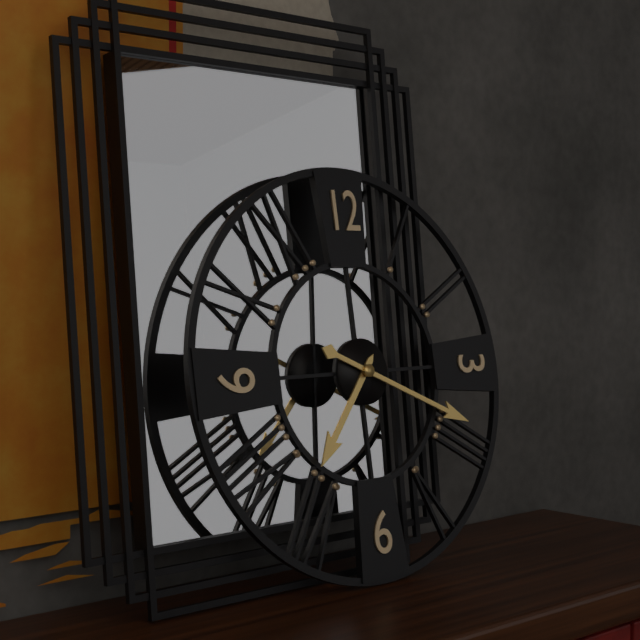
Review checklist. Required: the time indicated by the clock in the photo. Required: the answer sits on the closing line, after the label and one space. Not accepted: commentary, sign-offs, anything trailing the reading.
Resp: 7:19
